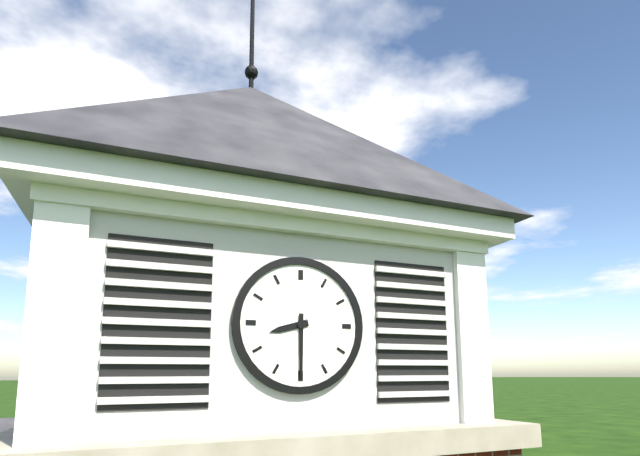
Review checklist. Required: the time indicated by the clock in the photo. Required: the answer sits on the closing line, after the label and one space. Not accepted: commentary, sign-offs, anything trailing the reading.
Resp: 8:30
